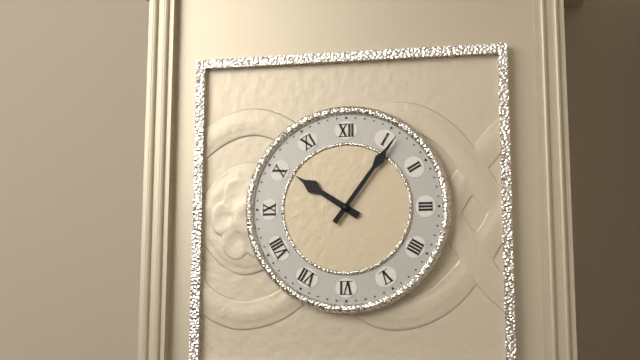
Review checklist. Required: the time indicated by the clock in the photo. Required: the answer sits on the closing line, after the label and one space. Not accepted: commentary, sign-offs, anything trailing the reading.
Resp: 10:06
